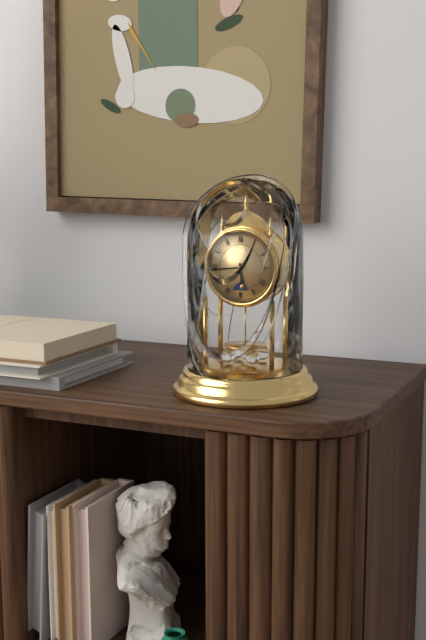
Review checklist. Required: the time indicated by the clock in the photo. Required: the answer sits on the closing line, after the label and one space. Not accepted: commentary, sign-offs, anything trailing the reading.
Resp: 5:44
